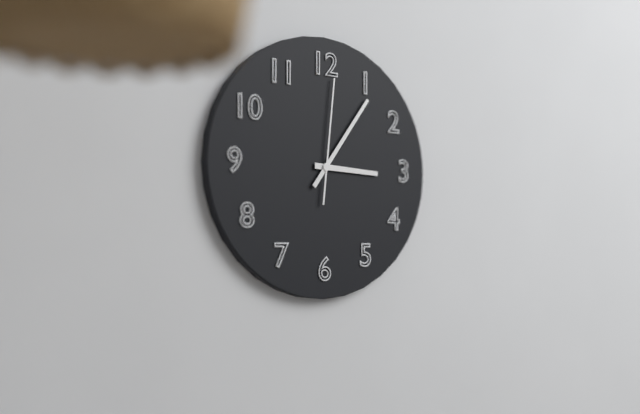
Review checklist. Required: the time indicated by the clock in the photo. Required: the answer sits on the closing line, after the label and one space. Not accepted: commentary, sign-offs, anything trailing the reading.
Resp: 3:06:01
